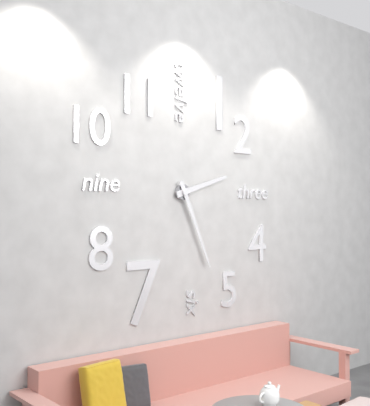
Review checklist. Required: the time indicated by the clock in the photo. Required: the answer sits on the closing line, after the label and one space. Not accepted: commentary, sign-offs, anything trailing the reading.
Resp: 2:26
